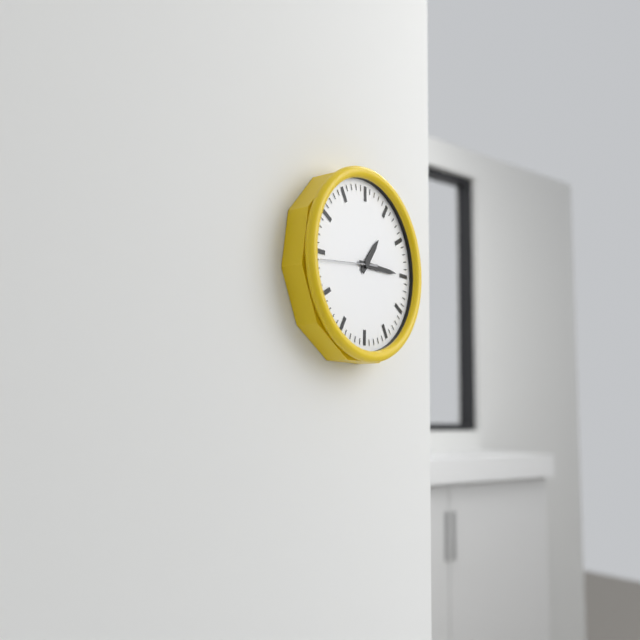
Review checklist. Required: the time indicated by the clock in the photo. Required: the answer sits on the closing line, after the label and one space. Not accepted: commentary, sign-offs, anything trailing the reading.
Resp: 1:15:44
